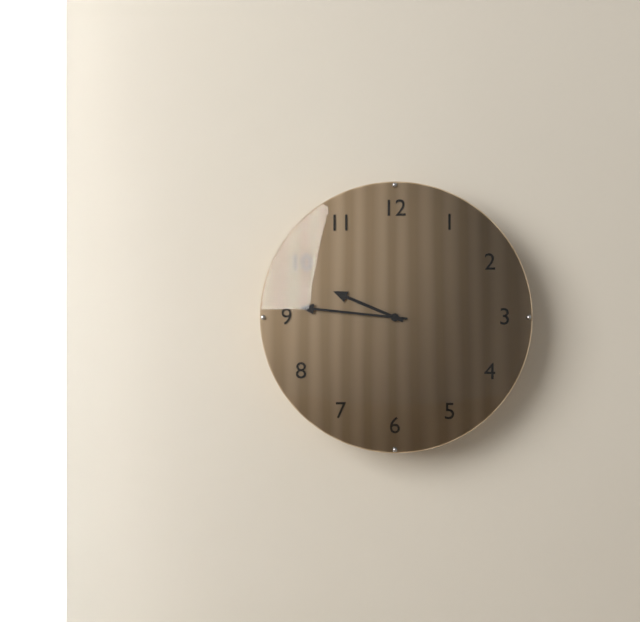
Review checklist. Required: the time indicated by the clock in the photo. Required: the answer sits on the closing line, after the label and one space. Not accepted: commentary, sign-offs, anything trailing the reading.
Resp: 9:46
